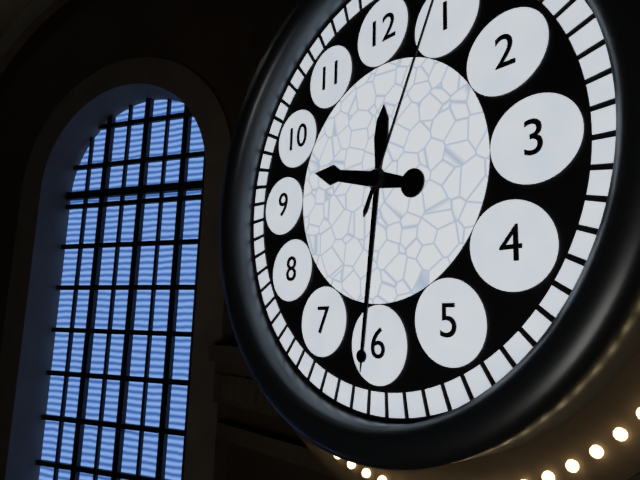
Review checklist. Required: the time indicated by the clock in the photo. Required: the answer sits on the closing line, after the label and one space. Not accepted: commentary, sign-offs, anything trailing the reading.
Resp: 9:31
